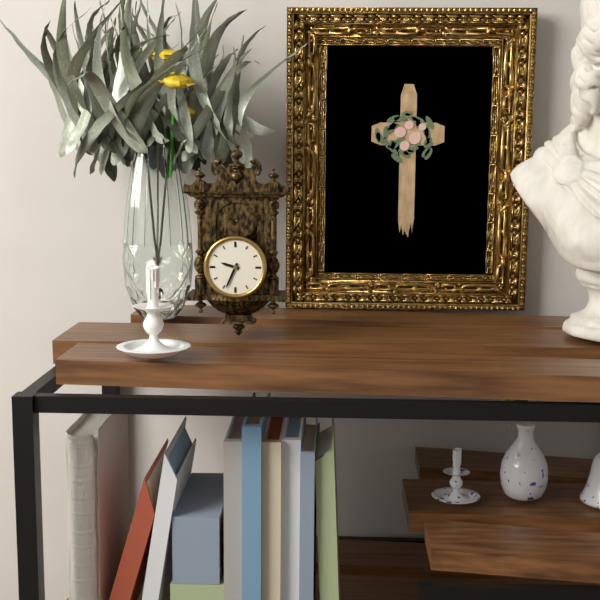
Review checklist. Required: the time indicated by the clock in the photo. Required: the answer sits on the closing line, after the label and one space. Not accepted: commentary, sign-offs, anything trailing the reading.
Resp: 9:34
